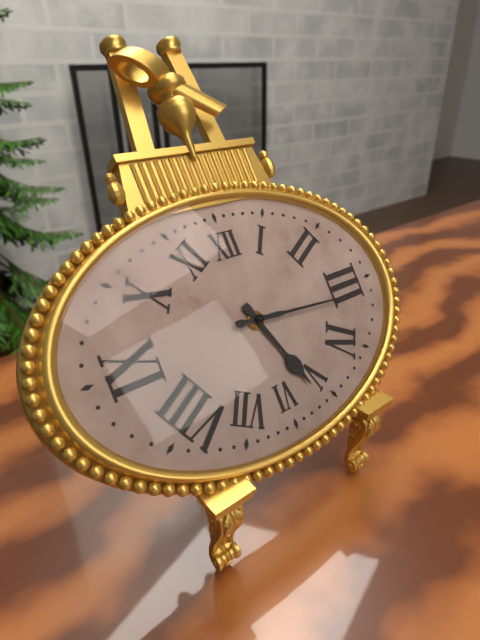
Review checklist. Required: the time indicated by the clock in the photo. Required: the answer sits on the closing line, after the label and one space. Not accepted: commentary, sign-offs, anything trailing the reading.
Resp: 5:16
